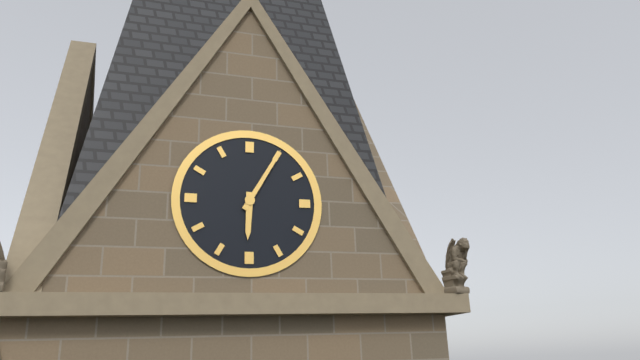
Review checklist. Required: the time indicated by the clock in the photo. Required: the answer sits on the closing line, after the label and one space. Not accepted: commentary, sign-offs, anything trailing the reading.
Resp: 6:05
